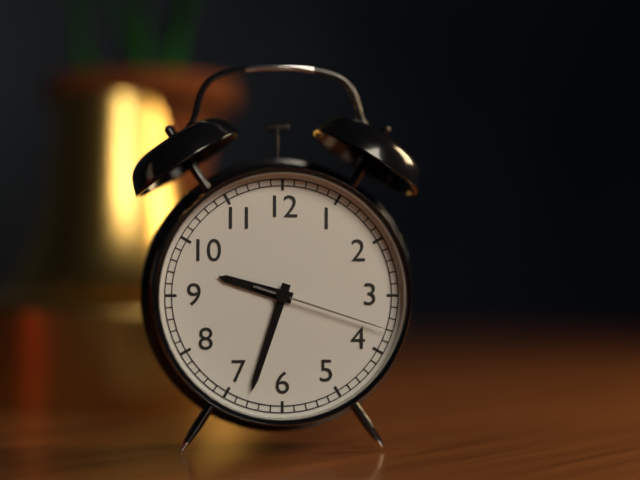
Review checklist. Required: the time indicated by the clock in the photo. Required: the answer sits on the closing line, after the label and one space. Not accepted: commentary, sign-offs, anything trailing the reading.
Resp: 9:33:18
